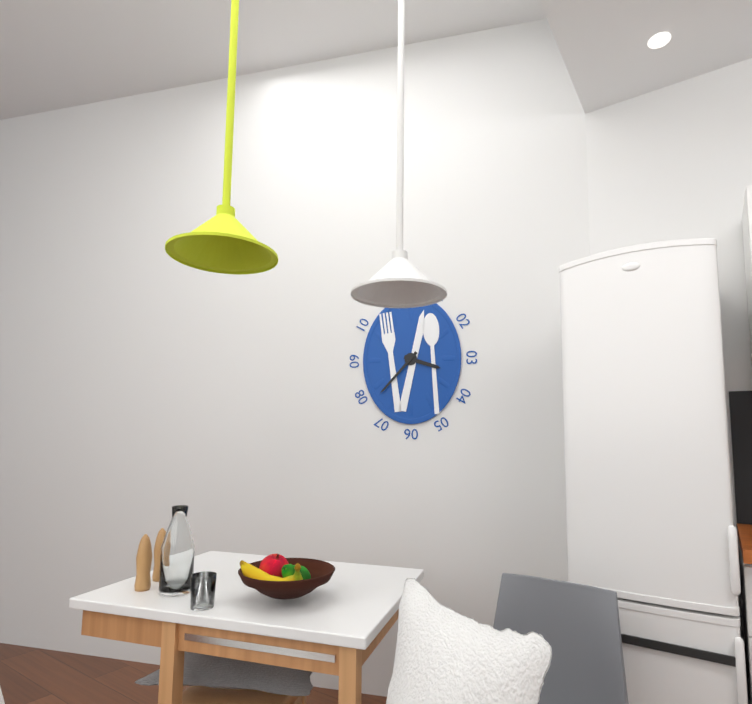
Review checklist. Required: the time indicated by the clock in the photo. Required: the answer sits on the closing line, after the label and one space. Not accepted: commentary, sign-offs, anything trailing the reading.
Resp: 3:37
